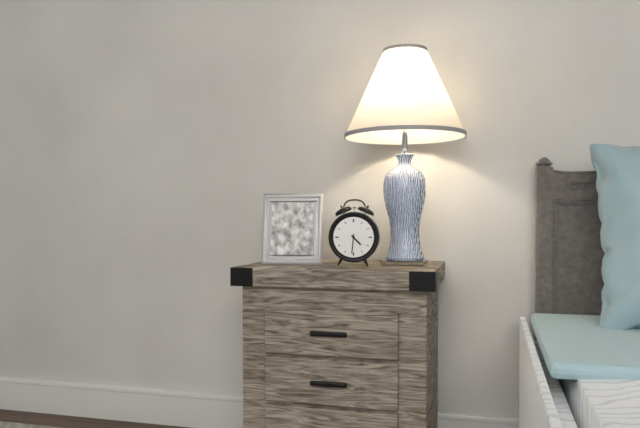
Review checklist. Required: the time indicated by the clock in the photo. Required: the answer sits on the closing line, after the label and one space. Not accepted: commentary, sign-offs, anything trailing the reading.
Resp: 4:31
